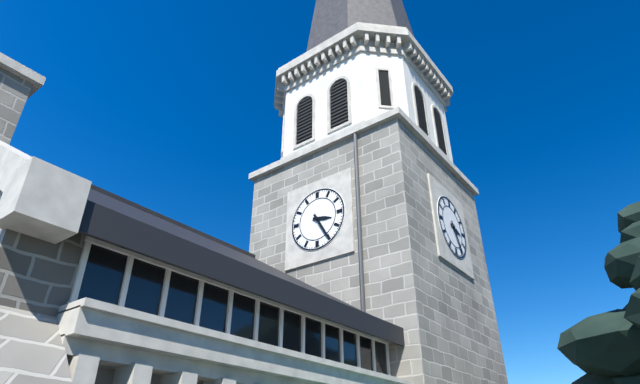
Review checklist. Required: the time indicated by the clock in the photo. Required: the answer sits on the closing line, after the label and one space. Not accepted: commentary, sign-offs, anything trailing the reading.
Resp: 3:25
